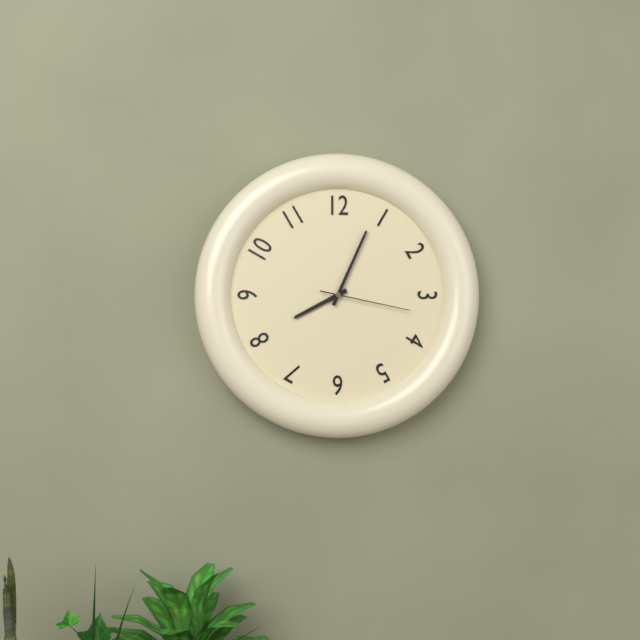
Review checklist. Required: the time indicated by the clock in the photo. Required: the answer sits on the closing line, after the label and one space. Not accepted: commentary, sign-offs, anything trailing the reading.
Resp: 8:04:17
